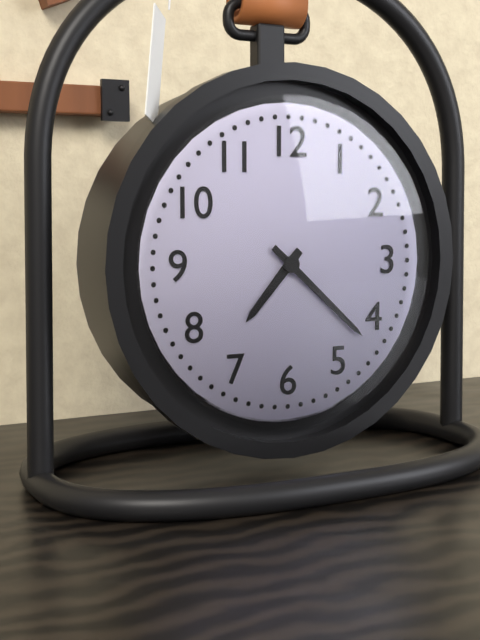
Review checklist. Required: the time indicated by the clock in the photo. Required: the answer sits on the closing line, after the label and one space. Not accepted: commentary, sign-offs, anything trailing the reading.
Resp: 7:22
